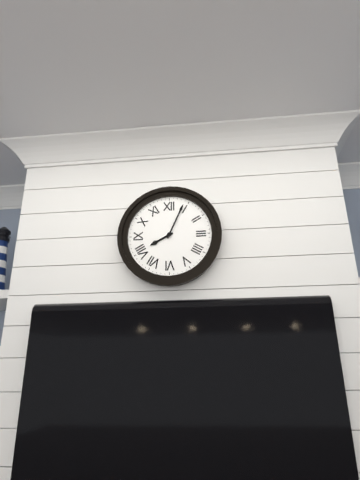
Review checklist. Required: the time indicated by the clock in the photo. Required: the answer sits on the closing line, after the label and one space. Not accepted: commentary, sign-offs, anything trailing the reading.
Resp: 8:04
